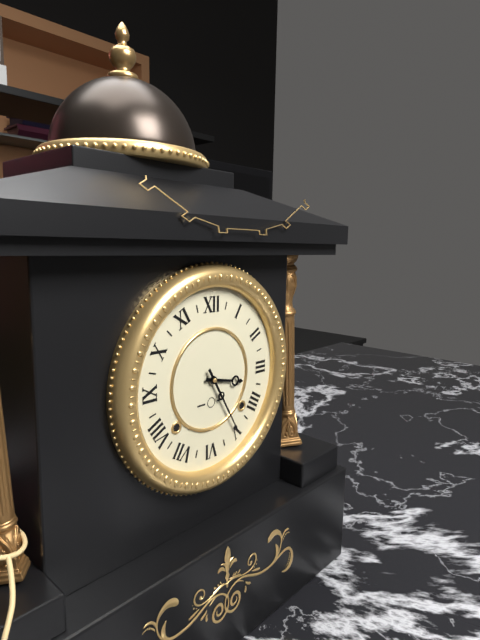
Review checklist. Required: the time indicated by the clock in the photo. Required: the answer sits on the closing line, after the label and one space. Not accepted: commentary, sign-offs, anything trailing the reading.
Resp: 3:25
